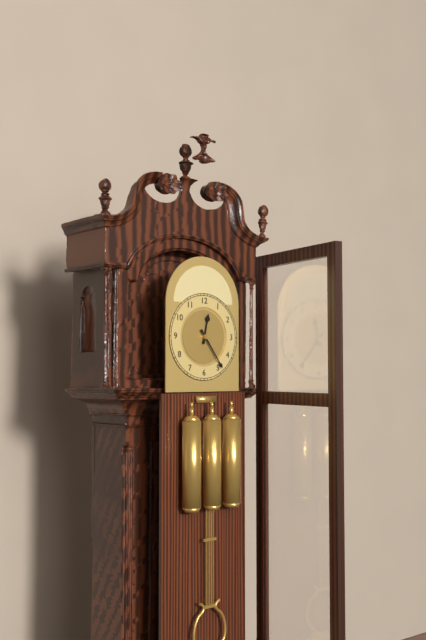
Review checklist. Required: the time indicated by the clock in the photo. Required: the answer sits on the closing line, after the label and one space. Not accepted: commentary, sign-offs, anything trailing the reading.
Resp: 12:24
